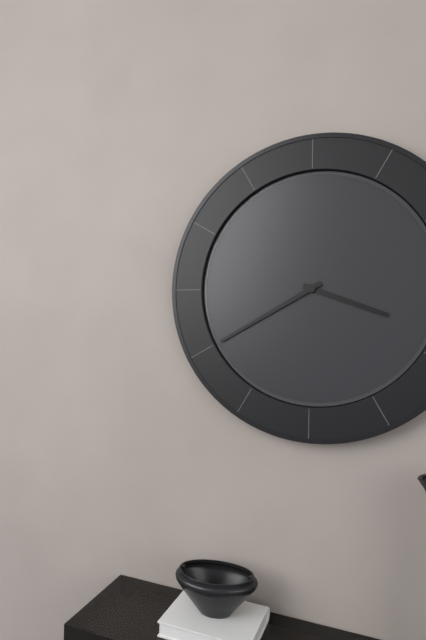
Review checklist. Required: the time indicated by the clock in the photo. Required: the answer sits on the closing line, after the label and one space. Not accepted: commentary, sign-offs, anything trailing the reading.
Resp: 3:40
